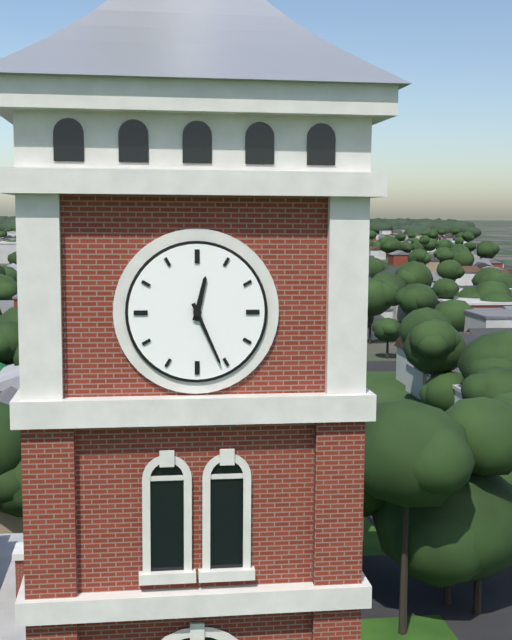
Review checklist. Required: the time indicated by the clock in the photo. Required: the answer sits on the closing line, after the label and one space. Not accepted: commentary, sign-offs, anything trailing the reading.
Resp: 12:26
